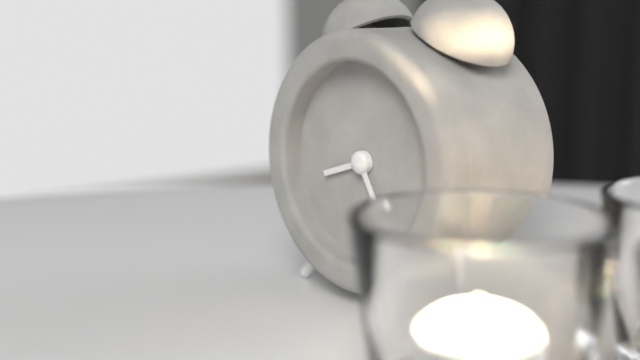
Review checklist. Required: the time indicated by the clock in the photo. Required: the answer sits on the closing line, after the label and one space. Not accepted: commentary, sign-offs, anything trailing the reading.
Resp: 8:25
